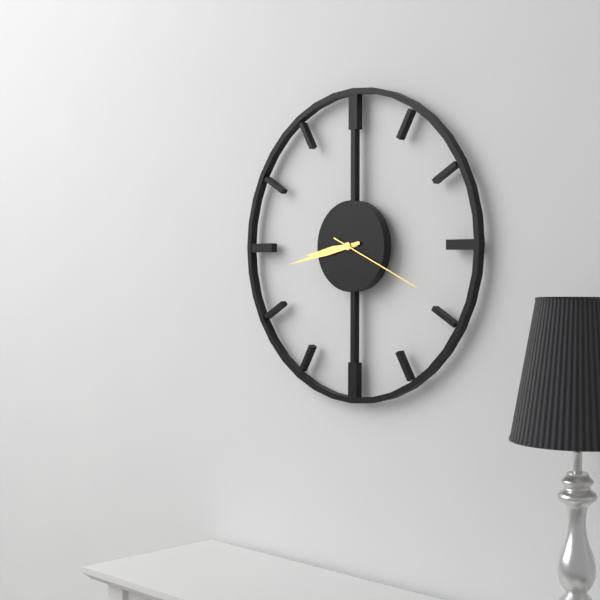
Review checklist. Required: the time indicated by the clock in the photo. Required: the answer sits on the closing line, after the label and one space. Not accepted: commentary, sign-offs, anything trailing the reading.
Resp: 8:43:19
